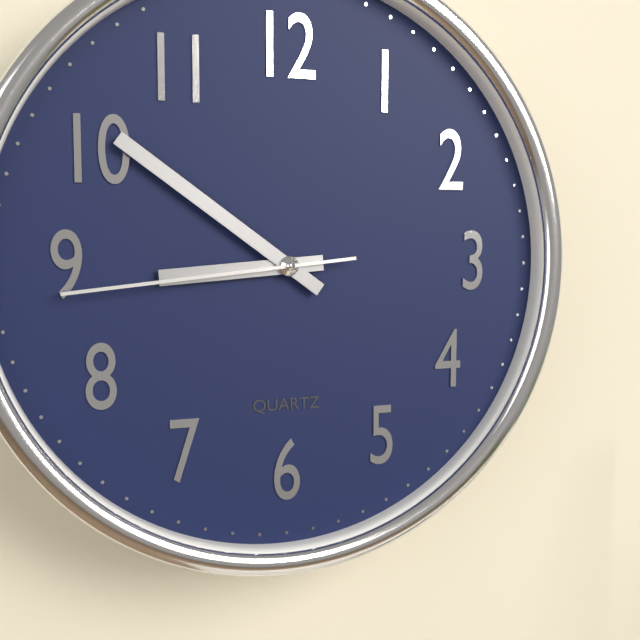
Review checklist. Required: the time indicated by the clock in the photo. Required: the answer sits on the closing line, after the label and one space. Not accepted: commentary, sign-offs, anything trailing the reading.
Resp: 8:51:44
